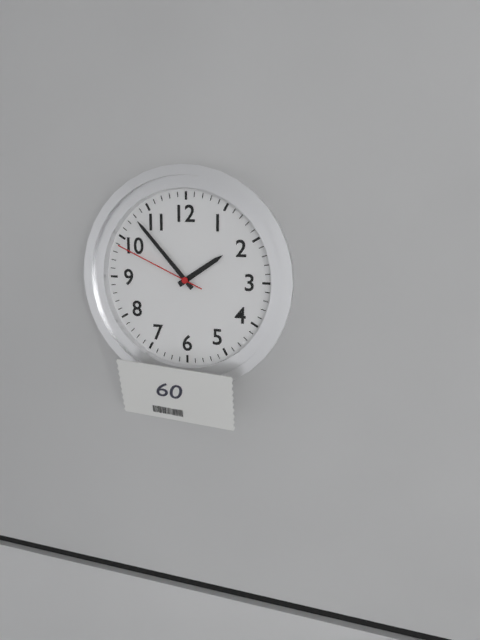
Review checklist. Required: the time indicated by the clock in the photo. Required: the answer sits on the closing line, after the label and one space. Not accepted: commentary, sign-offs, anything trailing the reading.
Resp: 1:53:49
